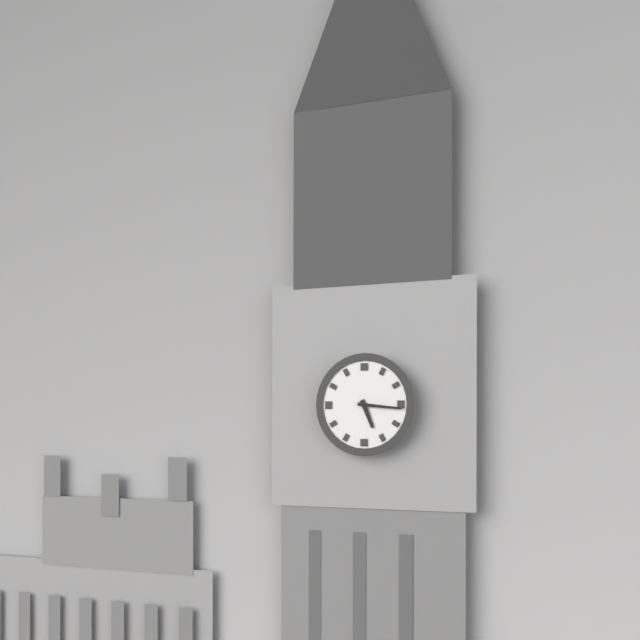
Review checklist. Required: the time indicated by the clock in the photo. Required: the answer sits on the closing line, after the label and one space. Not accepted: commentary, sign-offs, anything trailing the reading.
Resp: 5:16
